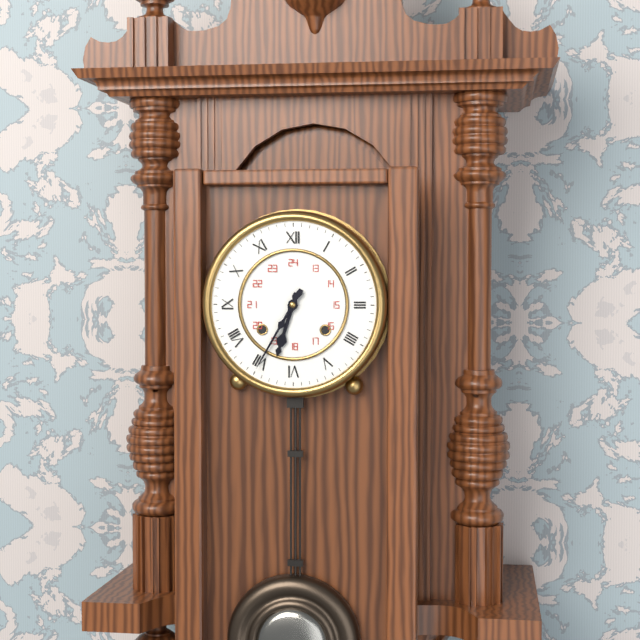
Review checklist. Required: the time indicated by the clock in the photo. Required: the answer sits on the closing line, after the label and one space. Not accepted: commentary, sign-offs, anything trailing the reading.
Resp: 6:35
